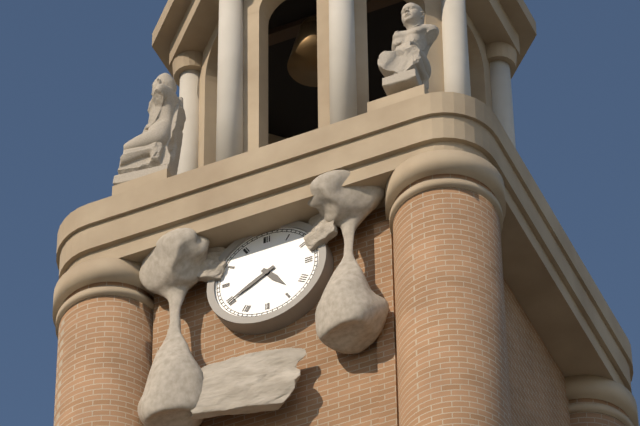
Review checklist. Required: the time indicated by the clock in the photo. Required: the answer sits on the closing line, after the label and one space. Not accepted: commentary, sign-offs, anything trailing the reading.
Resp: 4:40
